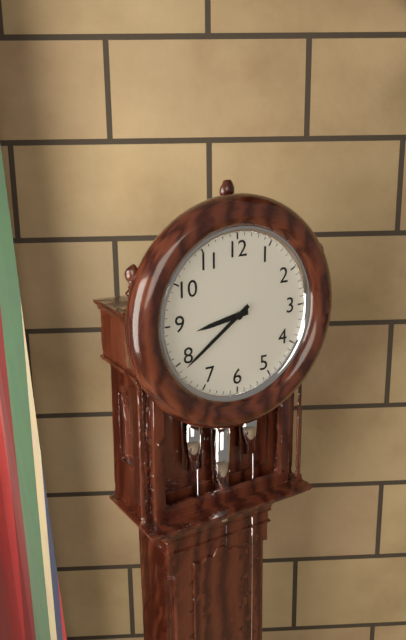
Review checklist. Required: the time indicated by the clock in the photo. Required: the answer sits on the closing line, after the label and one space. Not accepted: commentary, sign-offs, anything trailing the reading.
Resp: 8:39
